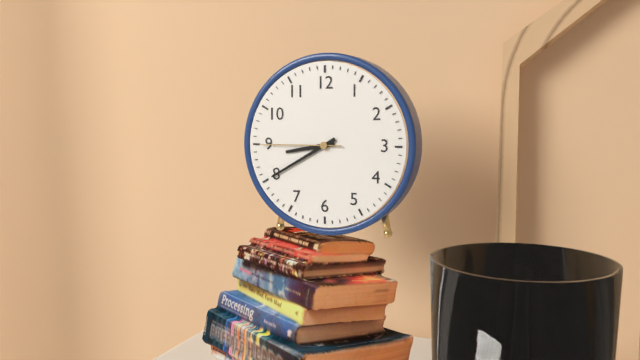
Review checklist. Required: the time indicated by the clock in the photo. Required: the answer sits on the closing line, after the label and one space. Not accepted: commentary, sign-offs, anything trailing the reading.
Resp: 8:40:45
